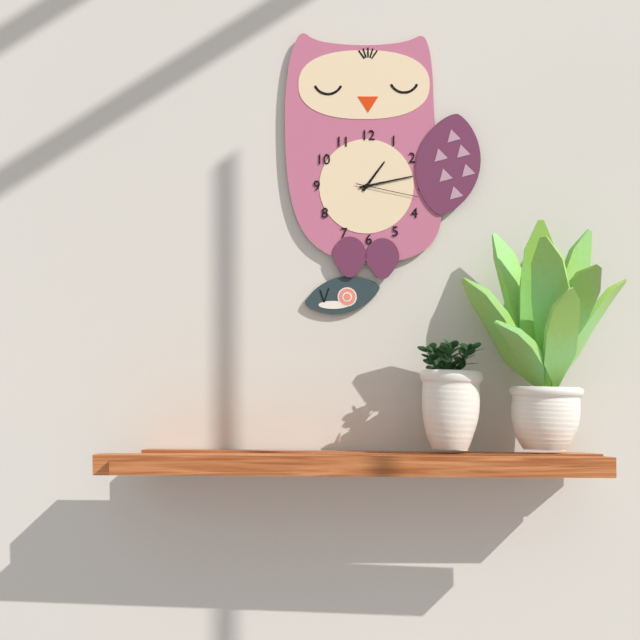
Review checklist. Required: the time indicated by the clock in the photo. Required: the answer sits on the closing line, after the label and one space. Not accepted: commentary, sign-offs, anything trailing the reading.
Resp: 1:13:17
